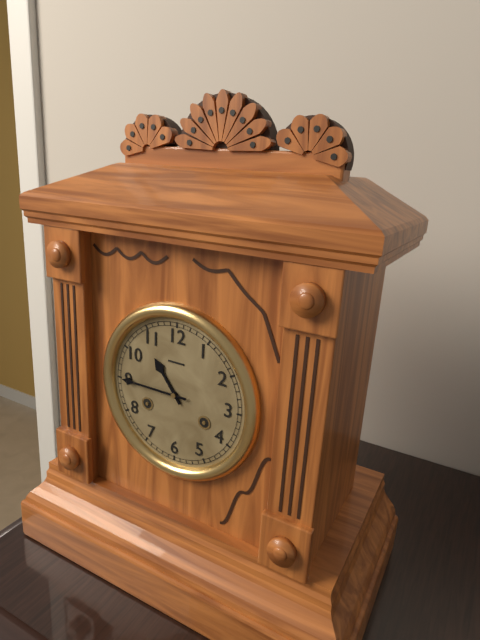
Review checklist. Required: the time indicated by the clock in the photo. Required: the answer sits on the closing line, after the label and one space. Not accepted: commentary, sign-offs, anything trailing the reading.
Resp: 10:45
